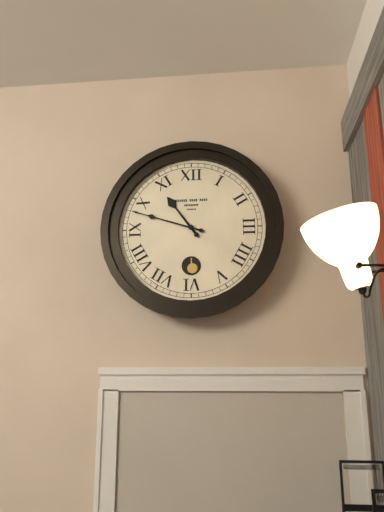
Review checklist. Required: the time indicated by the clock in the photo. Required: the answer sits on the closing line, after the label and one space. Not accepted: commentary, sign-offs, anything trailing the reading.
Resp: 10:48
